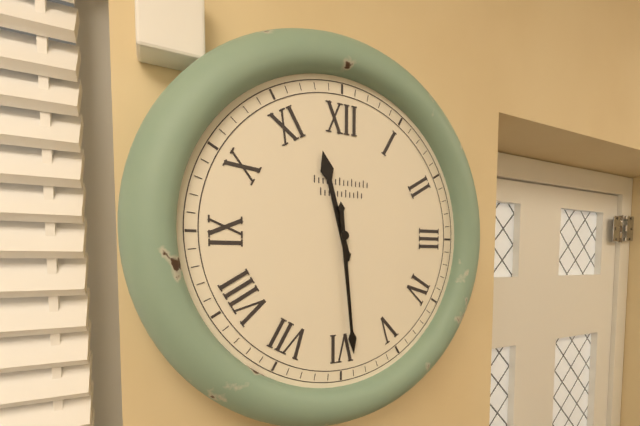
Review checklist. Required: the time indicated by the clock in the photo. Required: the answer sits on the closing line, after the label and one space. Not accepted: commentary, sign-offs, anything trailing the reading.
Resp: 11:29
